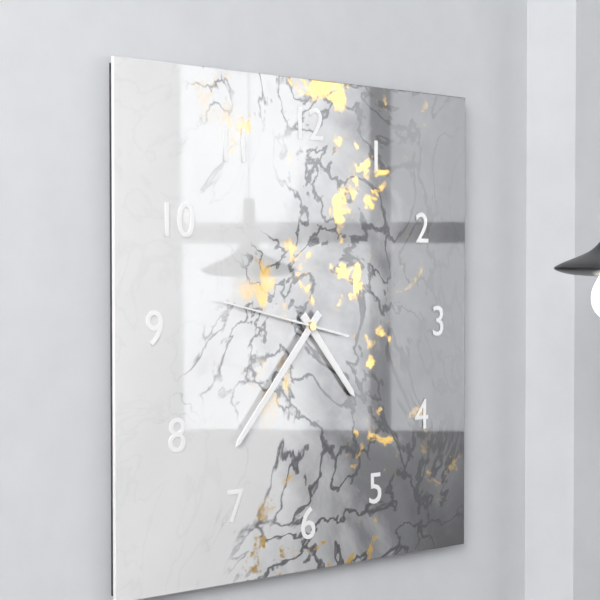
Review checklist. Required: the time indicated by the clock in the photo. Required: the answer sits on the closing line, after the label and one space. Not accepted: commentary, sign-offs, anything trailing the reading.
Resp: 4:37:47
